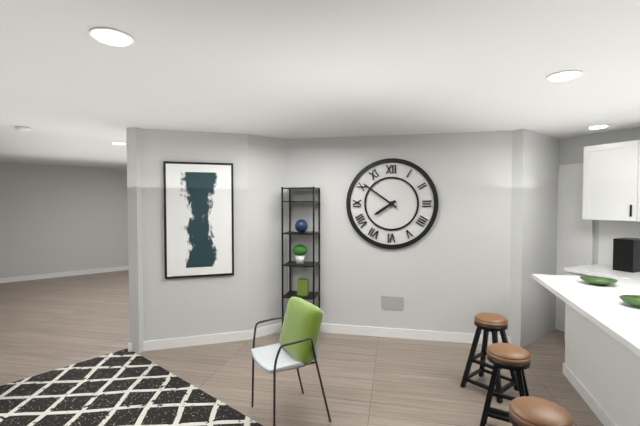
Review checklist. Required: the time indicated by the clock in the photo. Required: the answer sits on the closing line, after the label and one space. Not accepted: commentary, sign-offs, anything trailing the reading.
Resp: 7:51
